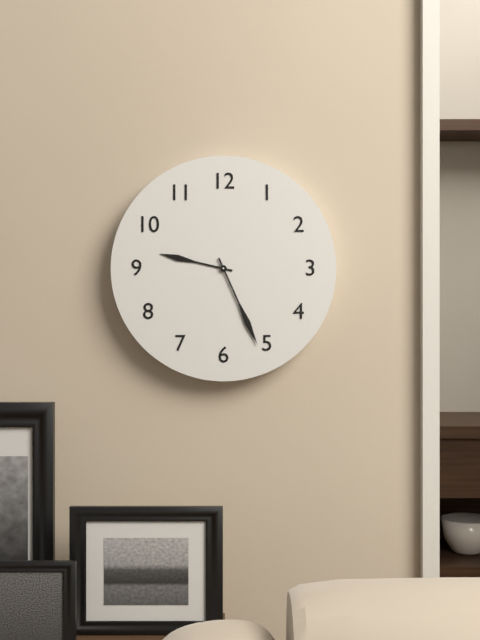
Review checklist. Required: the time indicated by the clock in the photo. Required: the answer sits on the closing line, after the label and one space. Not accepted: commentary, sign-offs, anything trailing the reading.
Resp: 9:26
